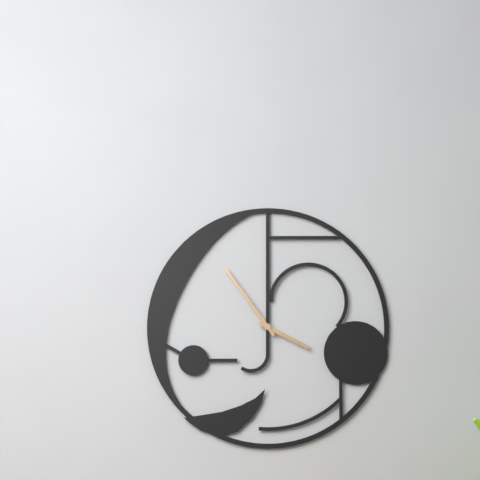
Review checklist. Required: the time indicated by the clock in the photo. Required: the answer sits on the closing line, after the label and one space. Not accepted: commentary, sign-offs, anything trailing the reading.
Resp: 3:54
